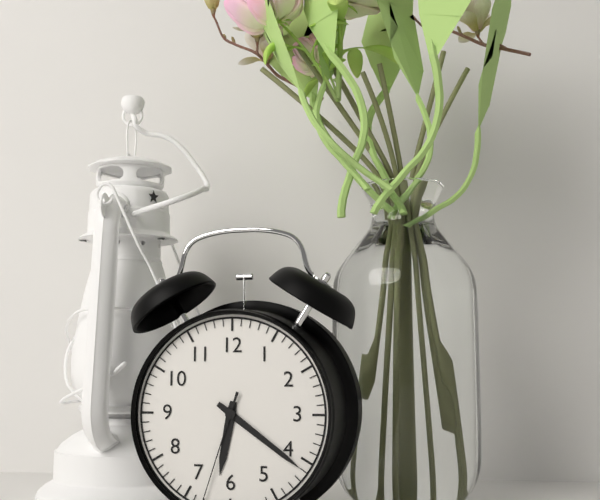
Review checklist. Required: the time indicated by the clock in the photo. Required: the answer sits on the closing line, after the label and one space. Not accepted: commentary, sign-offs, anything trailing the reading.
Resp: 6:21
